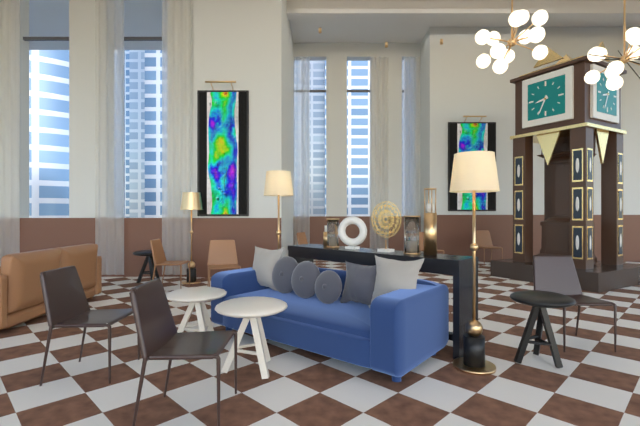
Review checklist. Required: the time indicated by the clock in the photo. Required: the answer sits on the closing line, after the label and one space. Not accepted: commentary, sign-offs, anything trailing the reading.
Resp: 8:34
